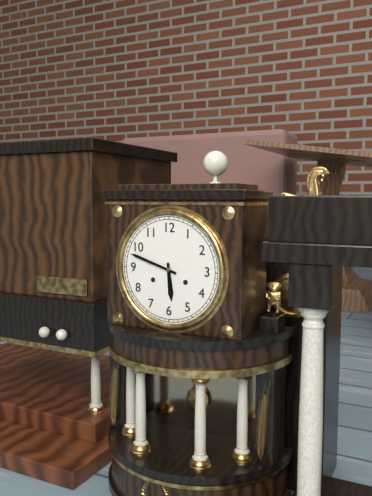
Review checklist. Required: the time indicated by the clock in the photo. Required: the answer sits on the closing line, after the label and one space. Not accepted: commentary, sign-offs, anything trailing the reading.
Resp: 5:48
